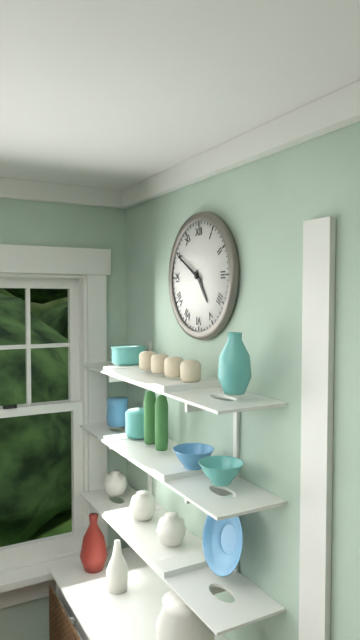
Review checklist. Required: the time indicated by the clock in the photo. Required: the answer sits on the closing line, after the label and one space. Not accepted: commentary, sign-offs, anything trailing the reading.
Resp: 4:50
